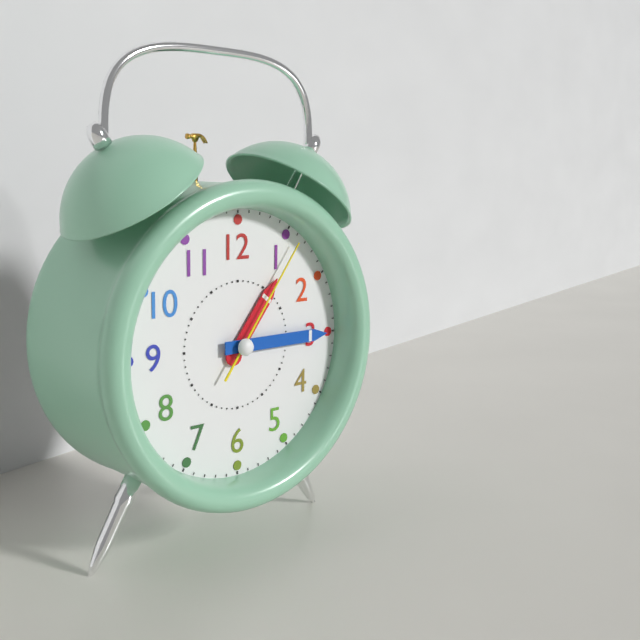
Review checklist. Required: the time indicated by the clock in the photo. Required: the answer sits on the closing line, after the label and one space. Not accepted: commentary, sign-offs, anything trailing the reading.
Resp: 1:15:06
